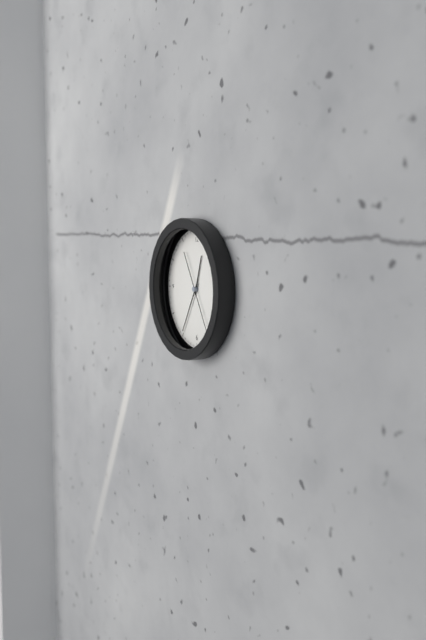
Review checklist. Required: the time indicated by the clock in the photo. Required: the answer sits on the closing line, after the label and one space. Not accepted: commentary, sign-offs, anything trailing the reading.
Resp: 12:35:25
